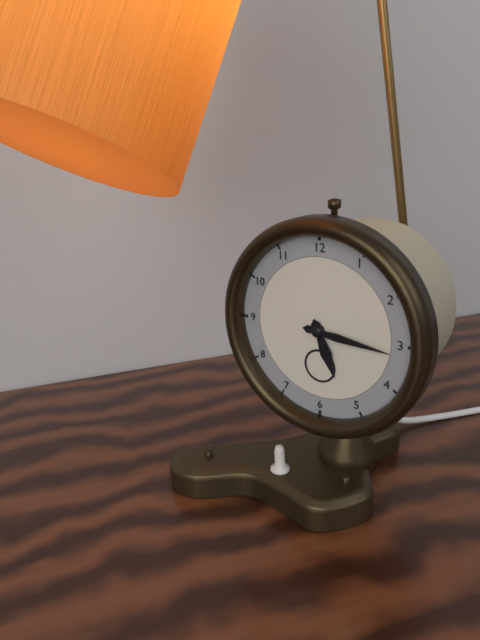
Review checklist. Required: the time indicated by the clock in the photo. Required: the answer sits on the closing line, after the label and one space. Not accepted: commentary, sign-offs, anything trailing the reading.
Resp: 5:16
